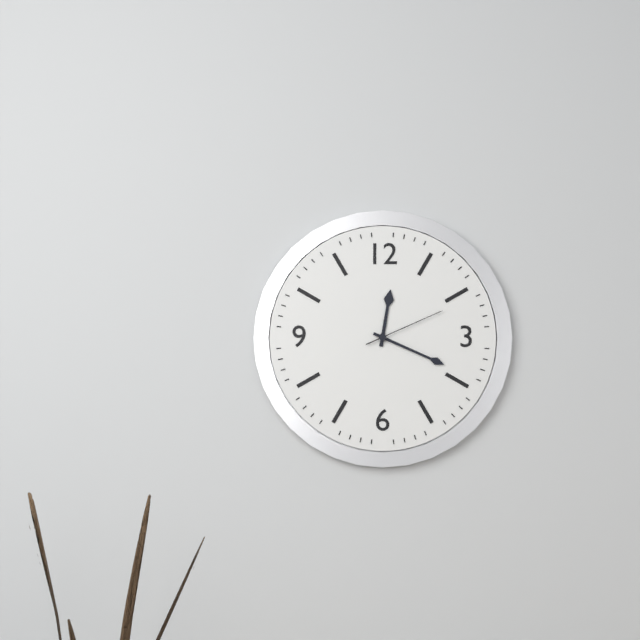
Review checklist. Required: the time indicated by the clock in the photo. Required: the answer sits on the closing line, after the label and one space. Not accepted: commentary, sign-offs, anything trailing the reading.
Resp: 12:19:11
